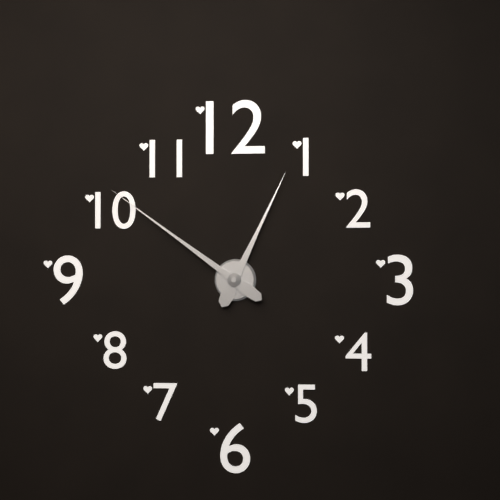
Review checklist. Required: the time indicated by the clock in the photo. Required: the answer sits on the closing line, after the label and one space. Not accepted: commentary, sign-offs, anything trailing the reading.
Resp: 12:51
